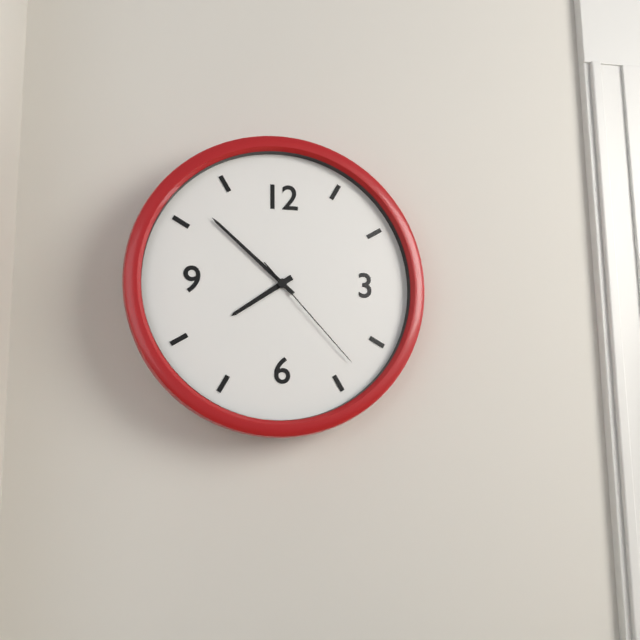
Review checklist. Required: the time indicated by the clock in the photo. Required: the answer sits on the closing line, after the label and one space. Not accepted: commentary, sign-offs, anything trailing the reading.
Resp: 7:52:23
